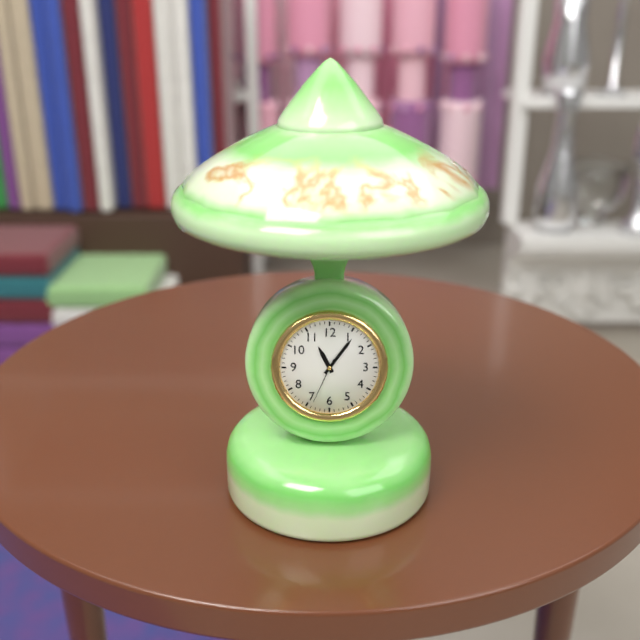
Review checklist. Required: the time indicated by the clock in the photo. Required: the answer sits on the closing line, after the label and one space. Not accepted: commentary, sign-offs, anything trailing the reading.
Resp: 11:06:34
